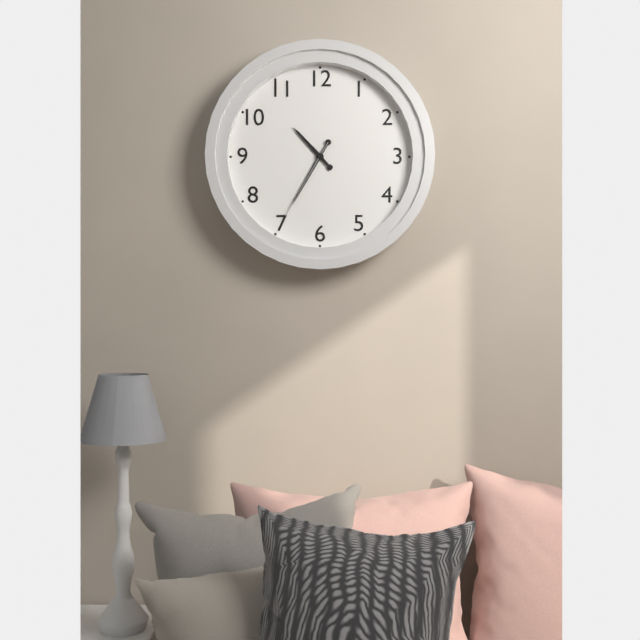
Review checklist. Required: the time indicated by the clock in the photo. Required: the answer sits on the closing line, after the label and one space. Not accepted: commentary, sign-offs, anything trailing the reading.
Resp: 10:35:35
